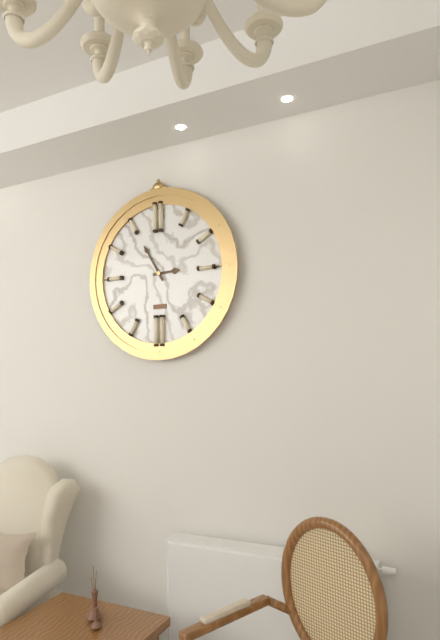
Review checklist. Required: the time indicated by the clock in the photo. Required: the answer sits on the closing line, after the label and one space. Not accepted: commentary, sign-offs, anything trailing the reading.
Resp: 2:55
